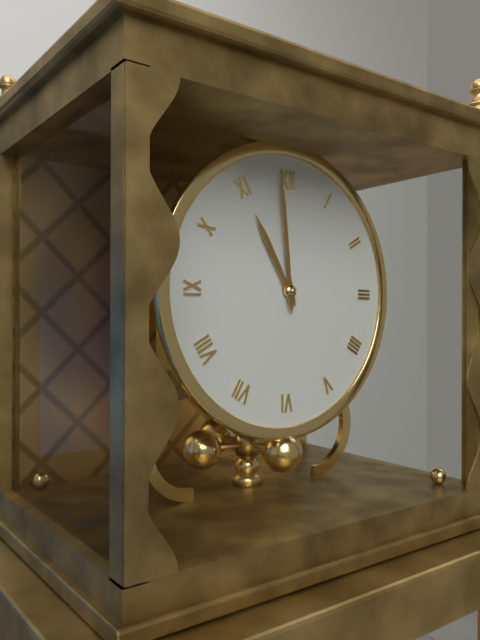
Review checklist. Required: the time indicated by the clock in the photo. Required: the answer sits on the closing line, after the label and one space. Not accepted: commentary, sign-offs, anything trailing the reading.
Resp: 10:59
